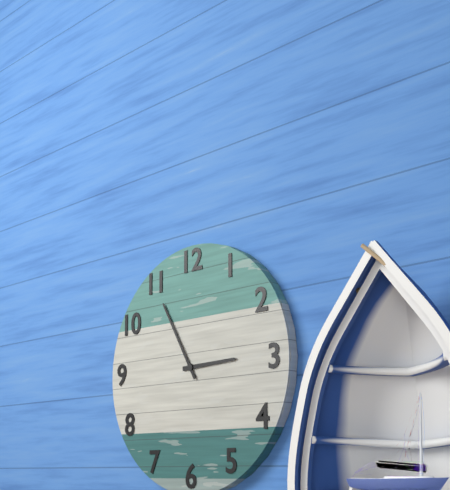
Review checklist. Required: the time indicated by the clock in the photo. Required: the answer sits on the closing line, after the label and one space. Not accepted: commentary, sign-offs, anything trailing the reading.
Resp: 2:55
